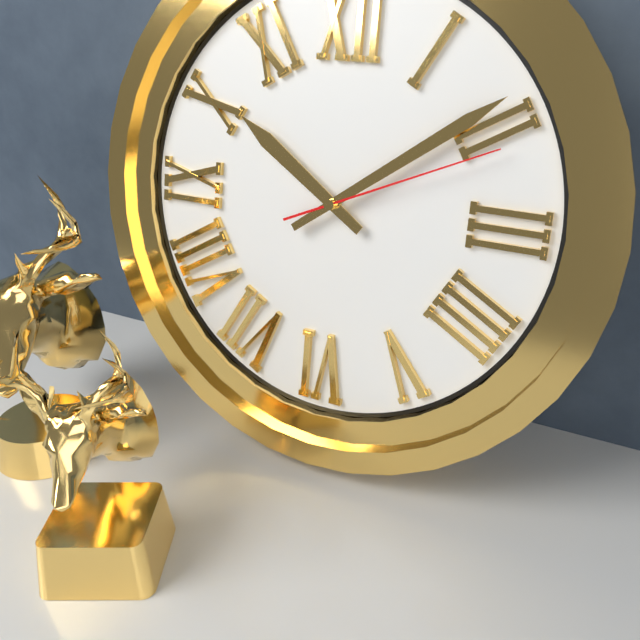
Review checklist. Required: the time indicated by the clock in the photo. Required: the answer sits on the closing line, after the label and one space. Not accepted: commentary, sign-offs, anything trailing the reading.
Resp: 10:09:11
